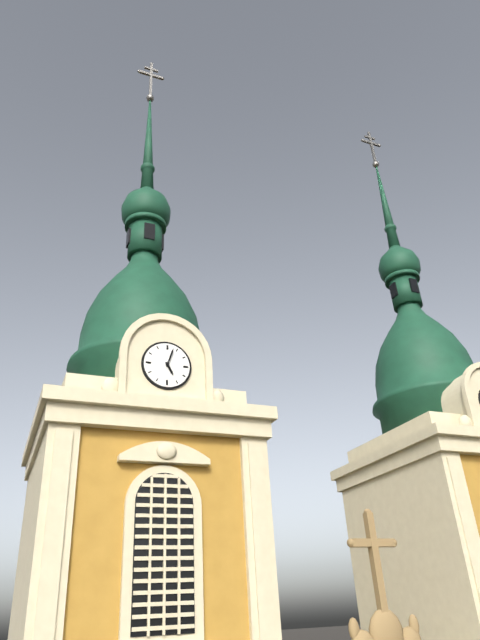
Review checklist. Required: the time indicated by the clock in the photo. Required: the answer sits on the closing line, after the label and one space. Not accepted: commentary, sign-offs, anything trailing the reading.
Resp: 5:03
